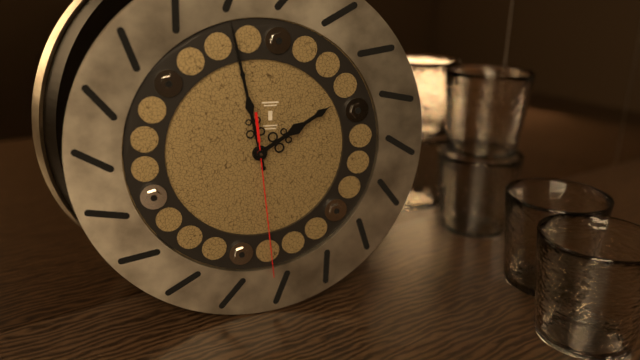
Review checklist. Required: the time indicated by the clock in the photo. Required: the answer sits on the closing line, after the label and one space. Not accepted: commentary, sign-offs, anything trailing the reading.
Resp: 1:58:29
